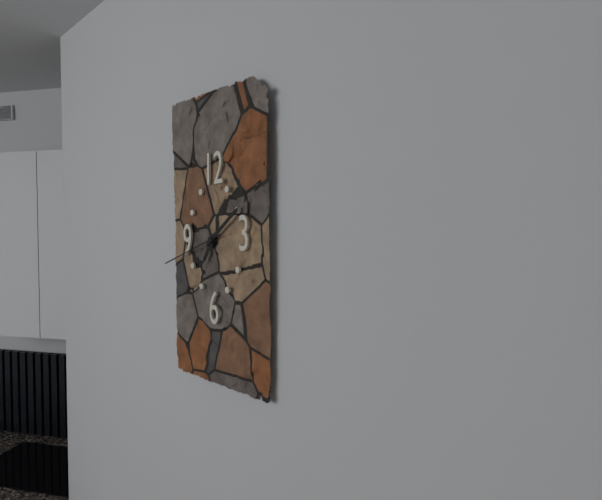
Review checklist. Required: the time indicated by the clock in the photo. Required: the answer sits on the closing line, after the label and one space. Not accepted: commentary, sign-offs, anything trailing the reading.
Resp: 7:09:42
